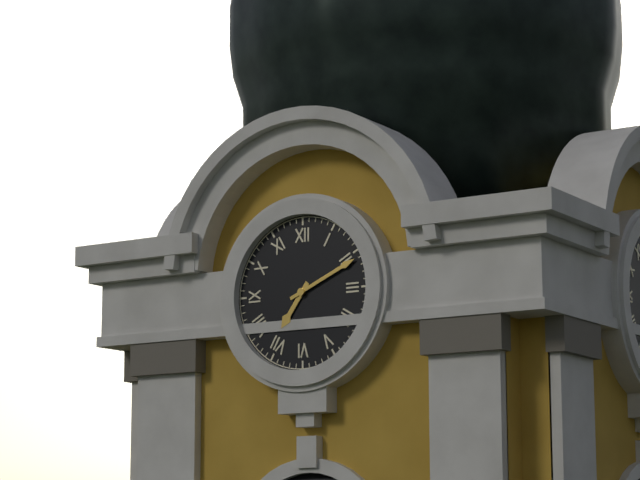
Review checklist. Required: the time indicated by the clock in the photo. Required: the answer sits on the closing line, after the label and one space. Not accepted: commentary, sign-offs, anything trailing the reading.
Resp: 7:11
